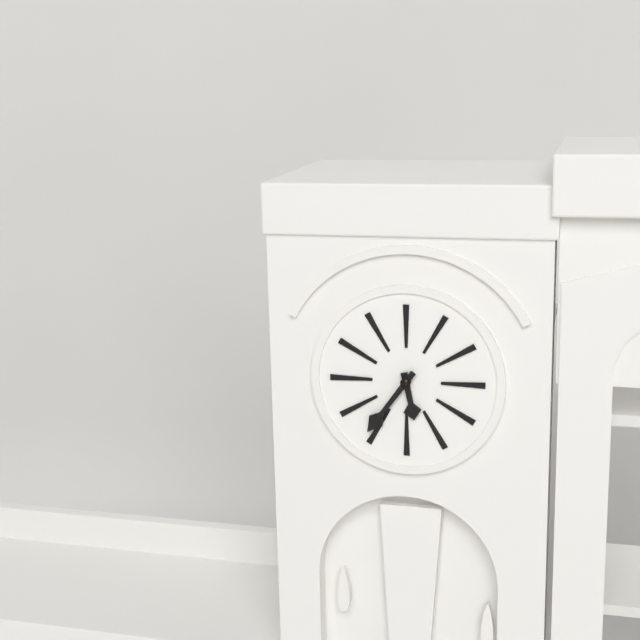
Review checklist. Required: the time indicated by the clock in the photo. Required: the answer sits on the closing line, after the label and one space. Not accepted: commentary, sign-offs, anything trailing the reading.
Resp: 5:36
